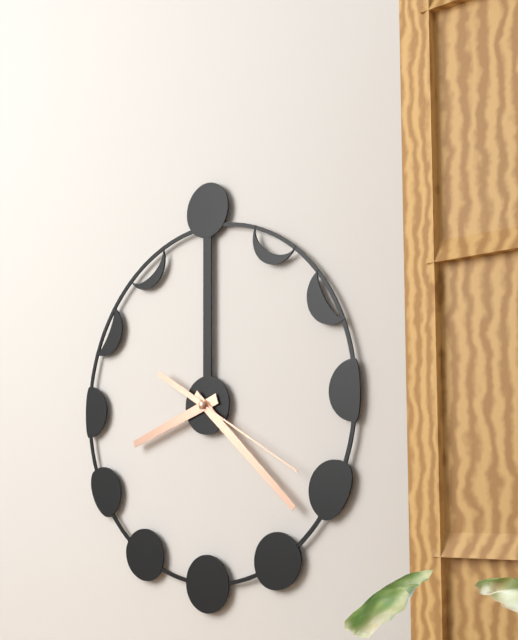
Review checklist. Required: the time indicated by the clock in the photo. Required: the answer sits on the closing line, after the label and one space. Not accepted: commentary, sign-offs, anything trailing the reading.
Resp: 8:22:20
